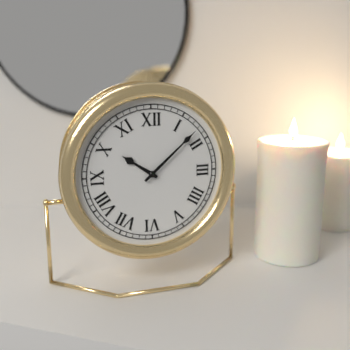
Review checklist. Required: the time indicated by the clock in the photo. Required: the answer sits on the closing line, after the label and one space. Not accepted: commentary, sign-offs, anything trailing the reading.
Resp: 10:08
